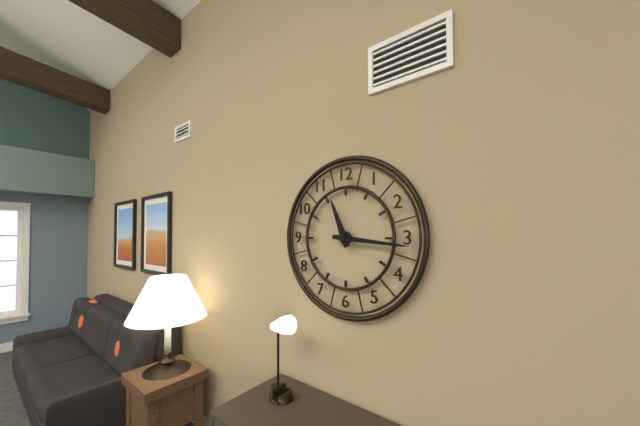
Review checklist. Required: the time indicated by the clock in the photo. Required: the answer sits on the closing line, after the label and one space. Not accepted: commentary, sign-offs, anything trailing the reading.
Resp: 11:16
